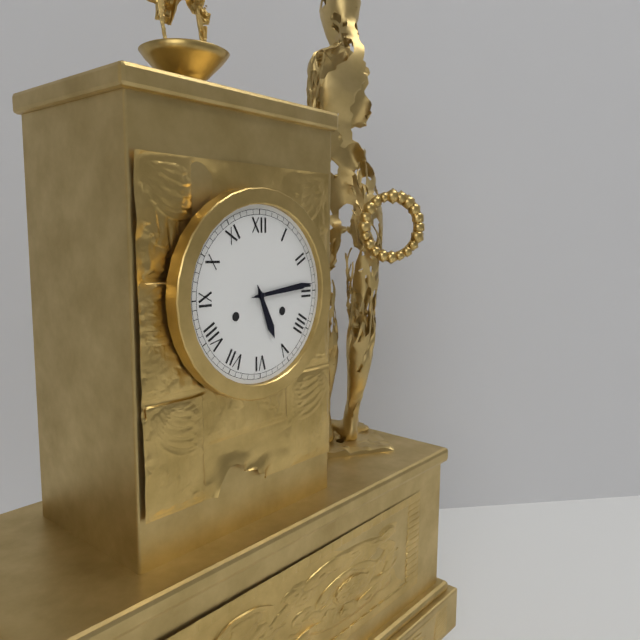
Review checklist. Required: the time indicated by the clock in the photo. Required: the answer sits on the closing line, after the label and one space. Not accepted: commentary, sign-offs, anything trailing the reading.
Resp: 5:14
